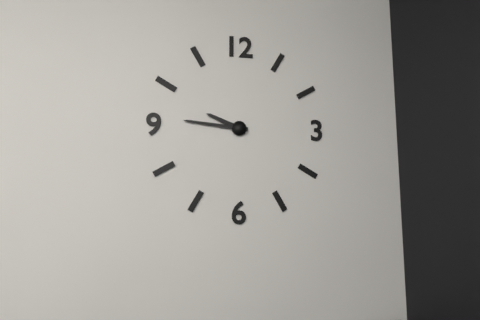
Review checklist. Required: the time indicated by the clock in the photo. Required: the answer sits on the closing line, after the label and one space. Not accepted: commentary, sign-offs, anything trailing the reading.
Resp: 9:46
